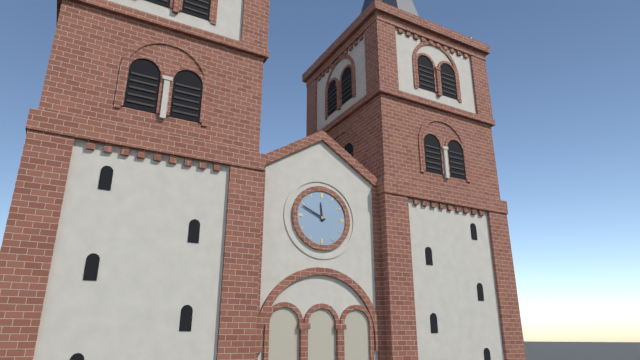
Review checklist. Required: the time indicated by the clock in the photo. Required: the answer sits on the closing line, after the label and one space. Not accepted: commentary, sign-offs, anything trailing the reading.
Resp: 11:49
